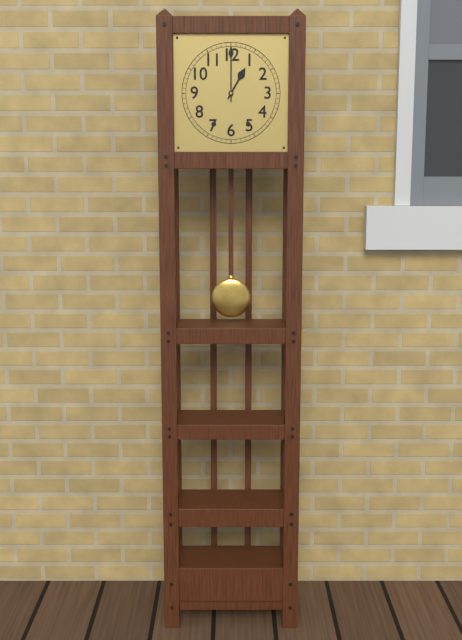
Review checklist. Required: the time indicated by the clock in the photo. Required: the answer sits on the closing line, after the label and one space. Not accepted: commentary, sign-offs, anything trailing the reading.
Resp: 1:00
